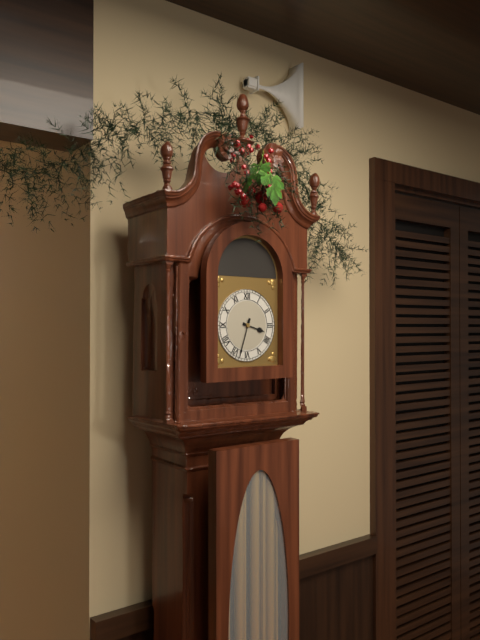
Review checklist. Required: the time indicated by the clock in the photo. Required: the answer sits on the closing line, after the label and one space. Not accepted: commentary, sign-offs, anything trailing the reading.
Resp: 3:33
